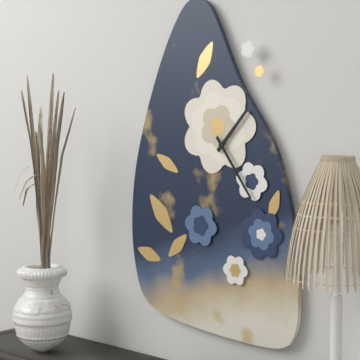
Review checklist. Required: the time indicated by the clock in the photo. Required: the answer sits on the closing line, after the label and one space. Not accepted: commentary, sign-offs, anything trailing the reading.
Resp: 1:24
